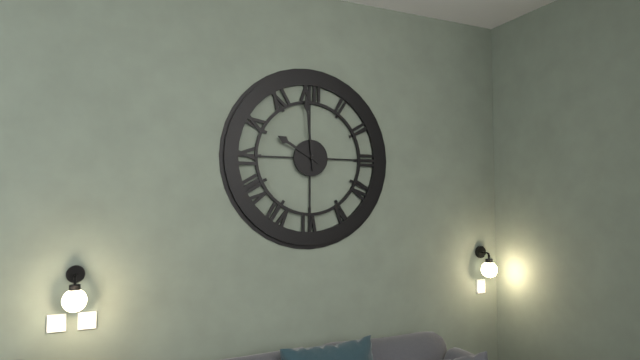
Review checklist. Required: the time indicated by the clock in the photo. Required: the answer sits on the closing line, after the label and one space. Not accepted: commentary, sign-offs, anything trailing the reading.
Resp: 9:59
